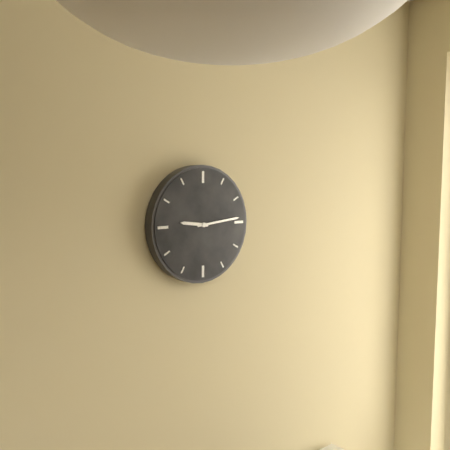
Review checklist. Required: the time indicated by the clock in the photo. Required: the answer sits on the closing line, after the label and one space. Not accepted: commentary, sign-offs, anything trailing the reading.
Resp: 9:14
